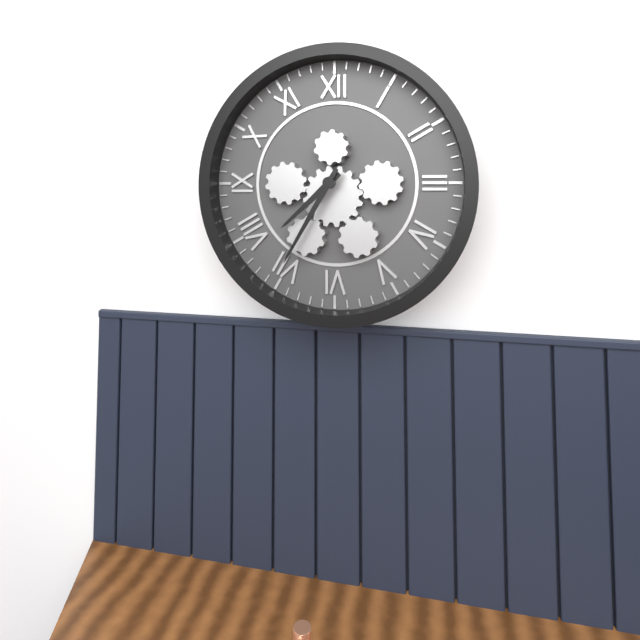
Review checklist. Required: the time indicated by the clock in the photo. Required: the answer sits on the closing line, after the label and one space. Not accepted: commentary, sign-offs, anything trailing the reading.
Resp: 7:35
